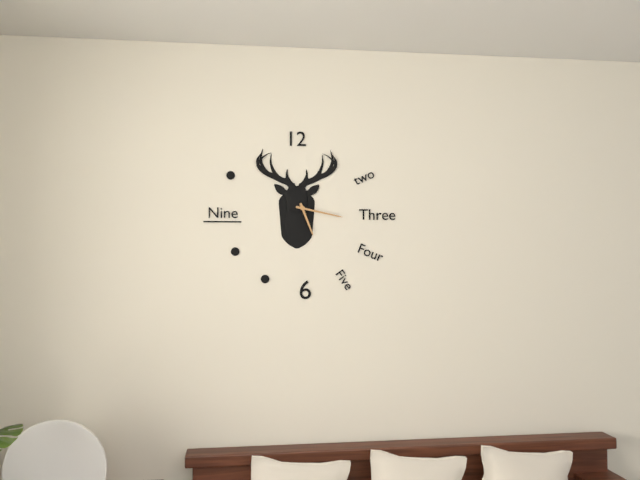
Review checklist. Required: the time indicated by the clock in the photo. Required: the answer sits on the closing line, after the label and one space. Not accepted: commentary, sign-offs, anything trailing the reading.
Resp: 5:17
